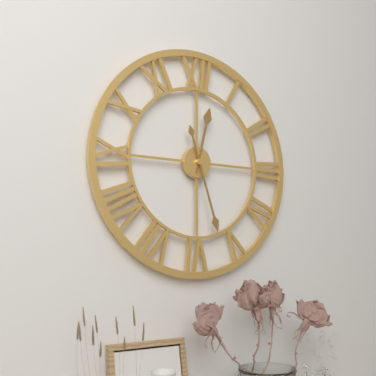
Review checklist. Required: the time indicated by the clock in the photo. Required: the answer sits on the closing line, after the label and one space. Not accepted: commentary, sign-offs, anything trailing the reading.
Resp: 12:27
